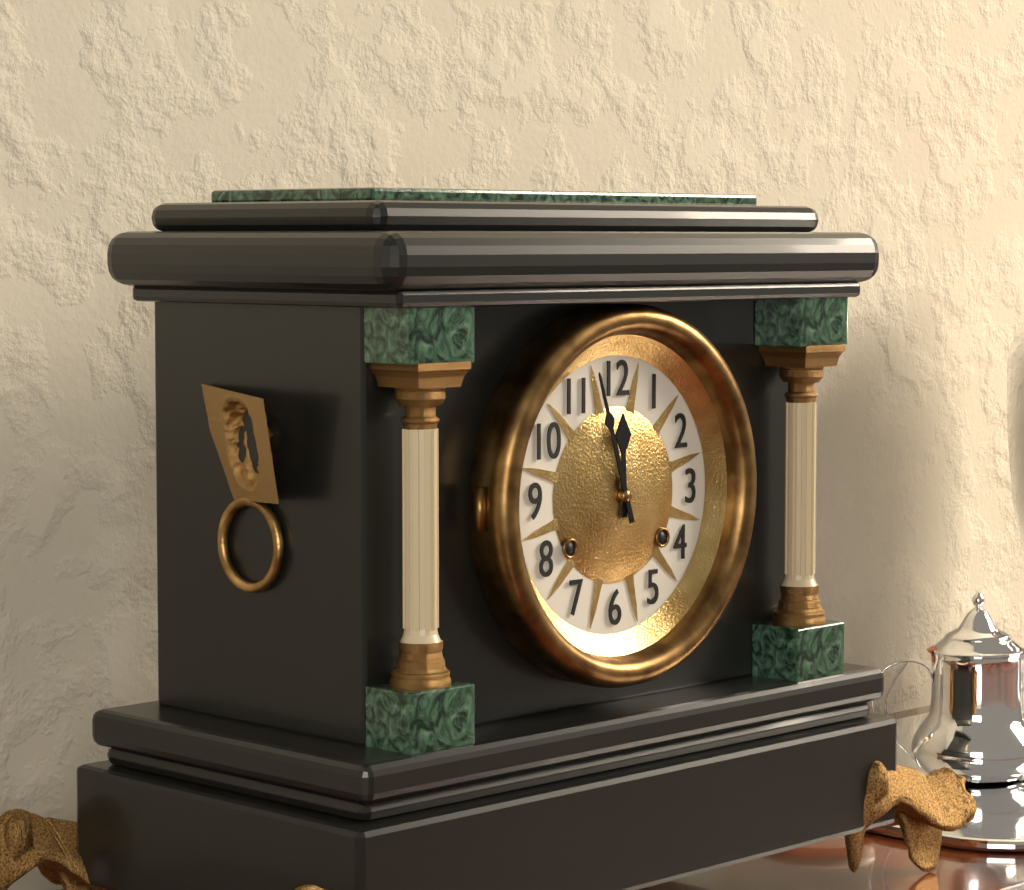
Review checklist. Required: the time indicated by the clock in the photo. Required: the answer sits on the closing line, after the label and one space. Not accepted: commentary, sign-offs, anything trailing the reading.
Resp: 11:57
